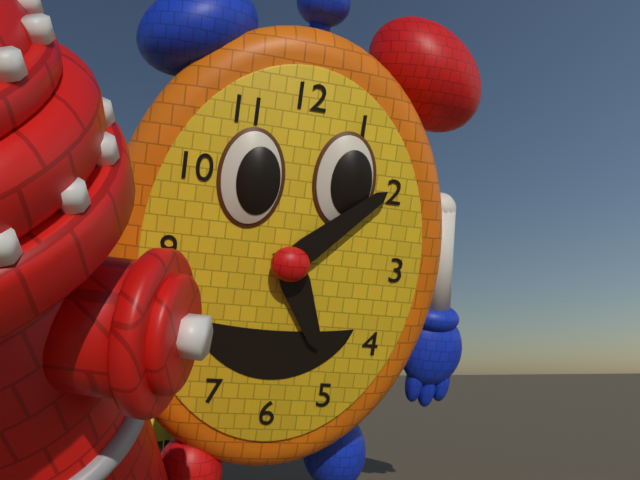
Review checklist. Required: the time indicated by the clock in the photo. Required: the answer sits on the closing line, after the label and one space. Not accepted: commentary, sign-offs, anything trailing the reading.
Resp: 5:08
